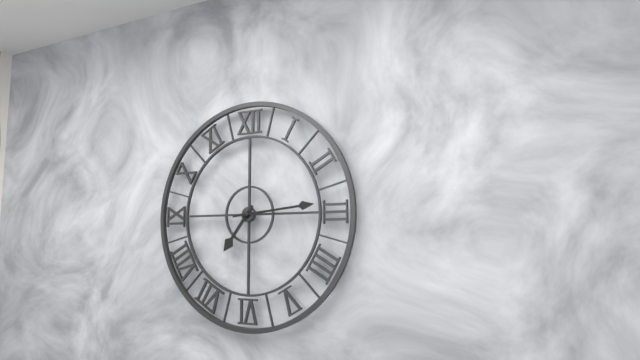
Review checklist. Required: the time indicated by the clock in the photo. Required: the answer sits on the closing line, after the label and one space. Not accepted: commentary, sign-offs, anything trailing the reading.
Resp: 7:14
